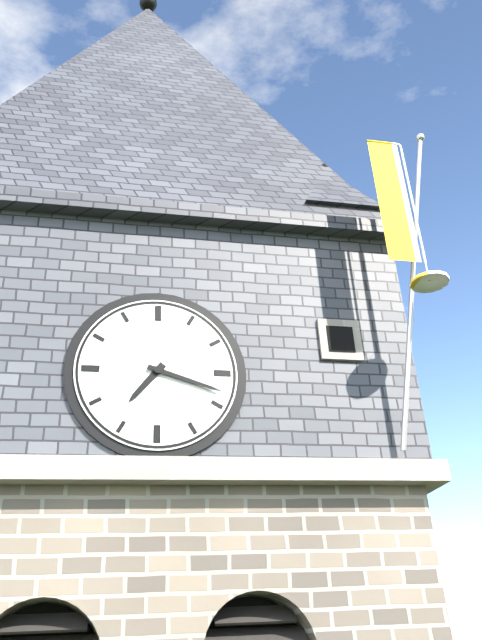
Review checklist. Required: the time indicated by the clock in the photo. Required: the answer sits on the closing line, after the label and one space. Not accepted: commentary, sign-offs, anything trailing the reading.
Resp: 7:18
